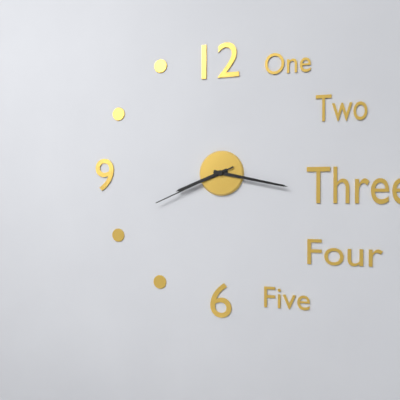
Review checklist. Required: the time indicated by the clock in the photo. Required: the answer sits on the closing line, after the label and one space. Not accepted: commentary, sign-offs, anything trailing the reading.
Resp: 8:17:41
